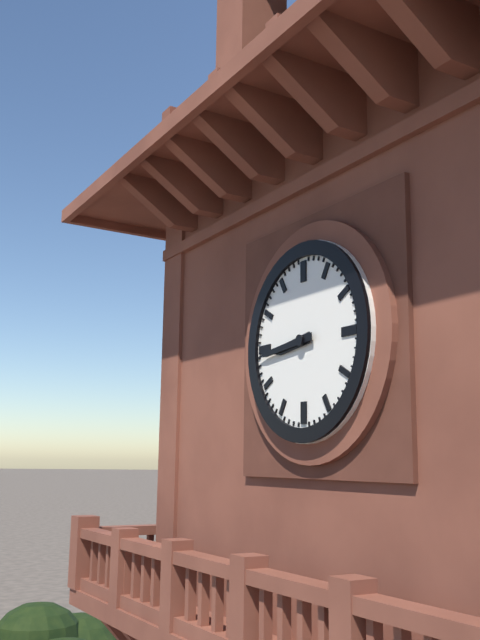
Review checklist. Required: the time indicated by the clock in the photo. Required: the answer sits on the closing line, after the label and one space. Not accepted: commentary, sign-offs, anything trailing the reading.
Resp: 8:44
